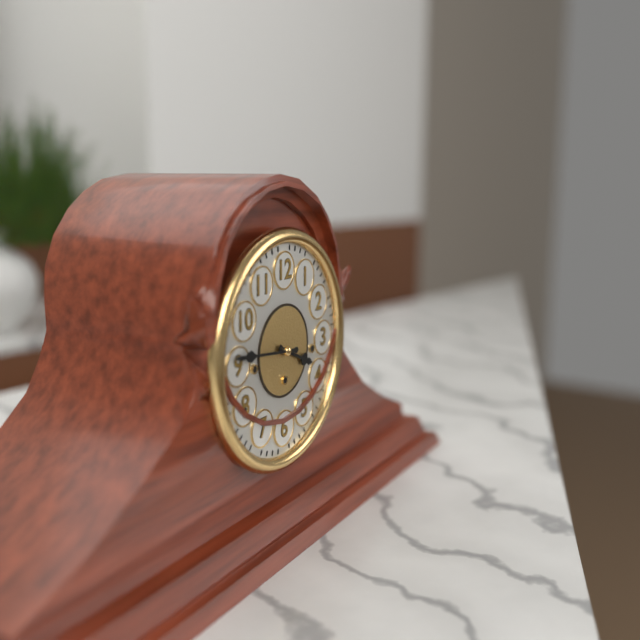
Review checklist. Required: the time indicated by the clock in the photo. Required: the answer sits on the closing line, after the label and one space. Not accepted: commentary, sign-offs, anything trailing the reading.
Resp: 3:46
